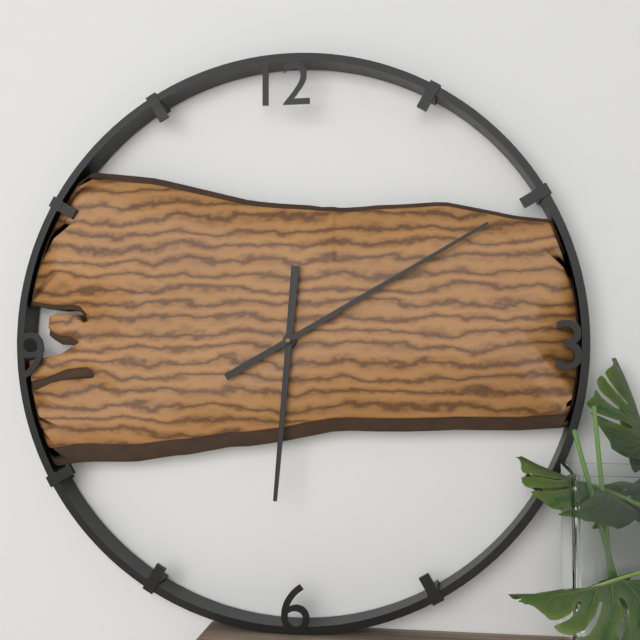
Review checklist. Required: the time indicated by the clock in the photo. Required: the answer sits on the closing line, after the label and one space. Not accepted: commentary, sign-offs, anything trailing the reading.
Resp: 6:10
